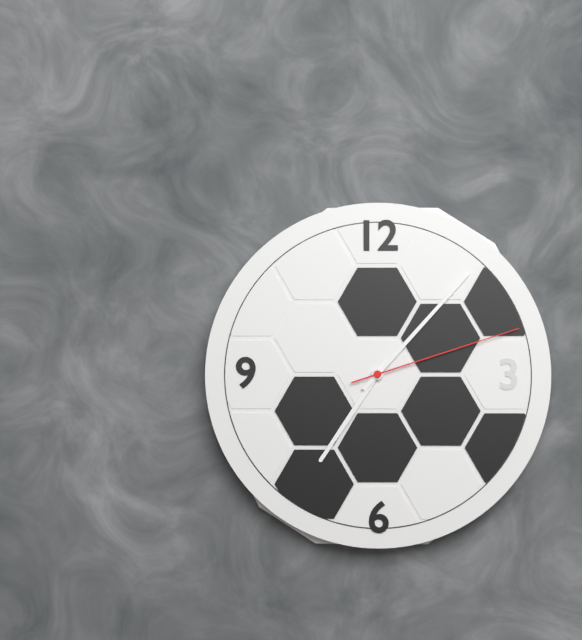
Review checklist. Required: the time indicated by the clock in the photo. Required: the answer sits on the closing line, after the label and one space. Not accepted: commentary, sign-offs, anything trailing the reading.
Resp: 7:07:12
